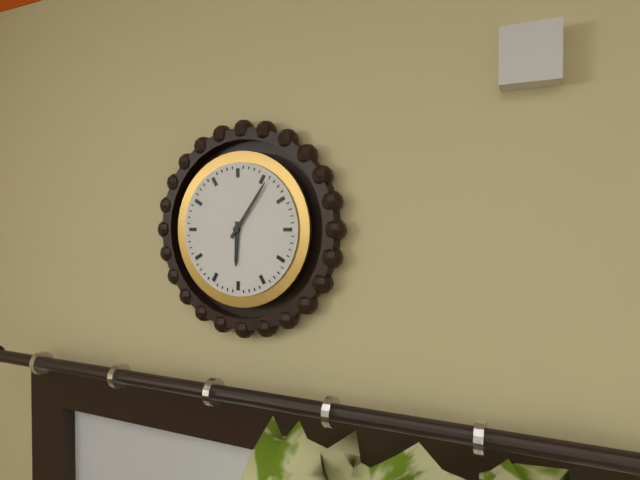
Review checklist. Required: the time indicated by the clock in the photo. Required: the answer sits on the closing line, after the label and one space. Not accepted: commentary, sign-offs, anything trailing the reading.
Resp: 6:06
